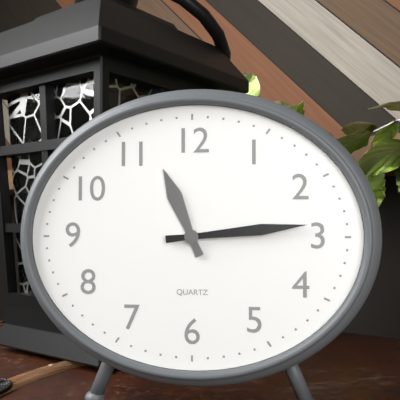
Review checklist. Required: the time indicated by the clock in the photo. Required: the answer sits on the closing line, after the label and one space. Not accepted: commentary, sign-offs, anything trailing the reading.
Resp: 11:14
